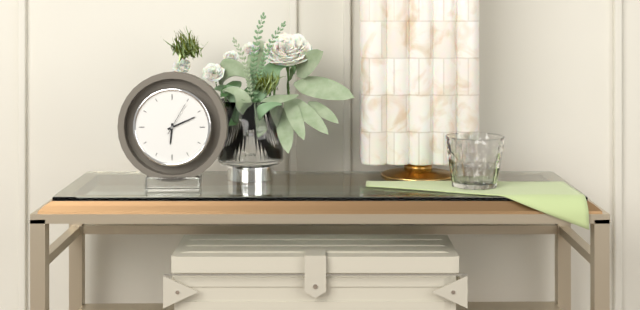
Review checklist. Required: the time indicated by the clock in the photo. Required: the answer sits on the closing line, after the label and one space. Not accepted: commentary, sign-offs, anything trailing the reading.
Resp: 6:11
